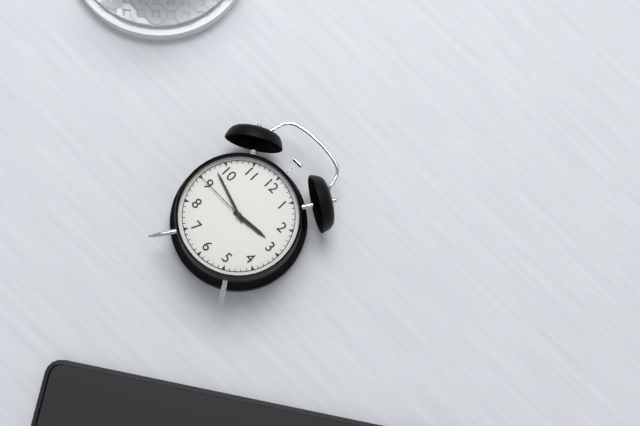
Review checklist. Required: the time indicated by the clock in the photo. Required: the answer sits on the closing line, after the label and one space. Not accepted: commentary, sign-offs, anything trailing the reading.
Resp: 2:48:45
